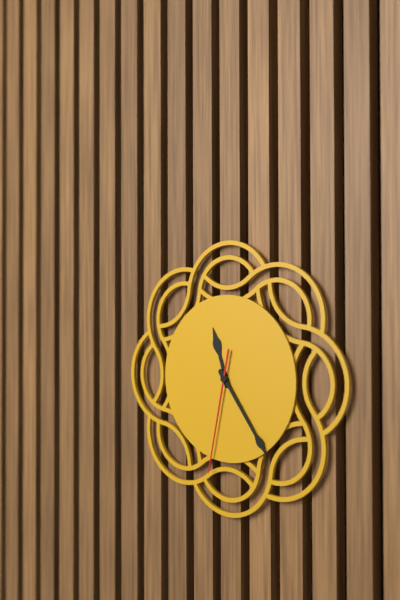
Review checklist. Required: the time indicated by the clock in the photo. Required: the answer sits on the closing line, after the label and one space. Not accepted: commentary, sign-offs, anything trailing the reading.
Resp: 11:24:32
